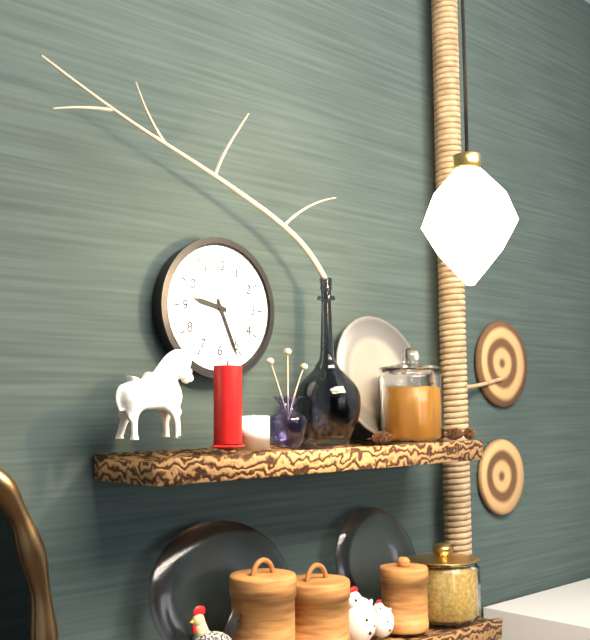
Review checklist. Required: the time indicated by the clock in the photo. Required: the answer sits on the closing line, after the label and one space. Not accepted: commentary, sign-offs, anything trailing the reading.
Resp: 9:26
